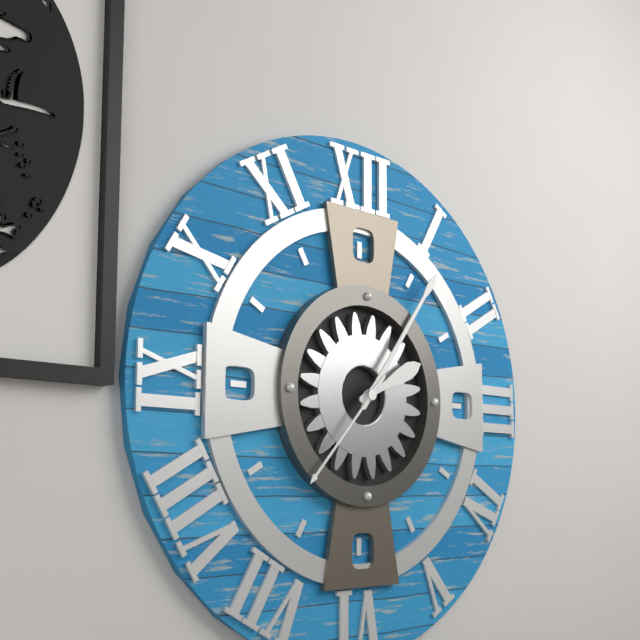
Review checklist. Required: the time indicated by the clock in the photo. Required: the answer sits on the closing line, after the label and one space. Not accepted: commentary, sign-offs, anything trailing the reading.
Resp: 2:06:37
